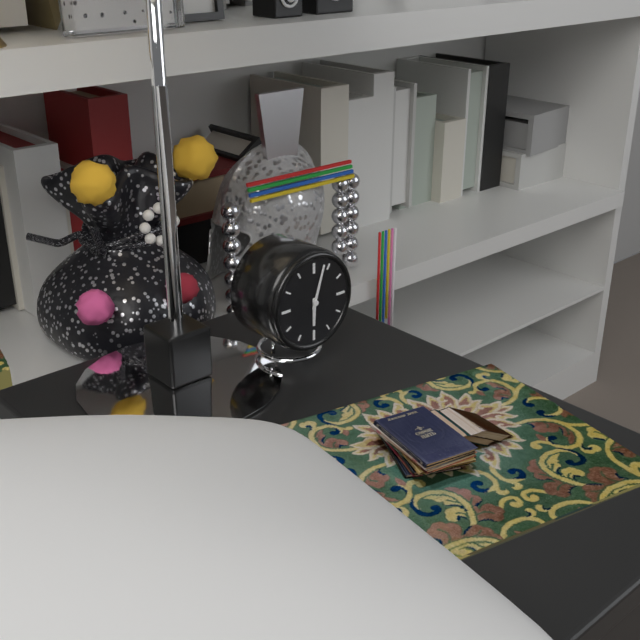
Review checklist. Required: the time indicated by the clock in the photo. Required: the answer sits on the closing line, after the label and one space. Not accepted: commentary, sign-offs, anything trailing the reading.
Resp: 6:03
